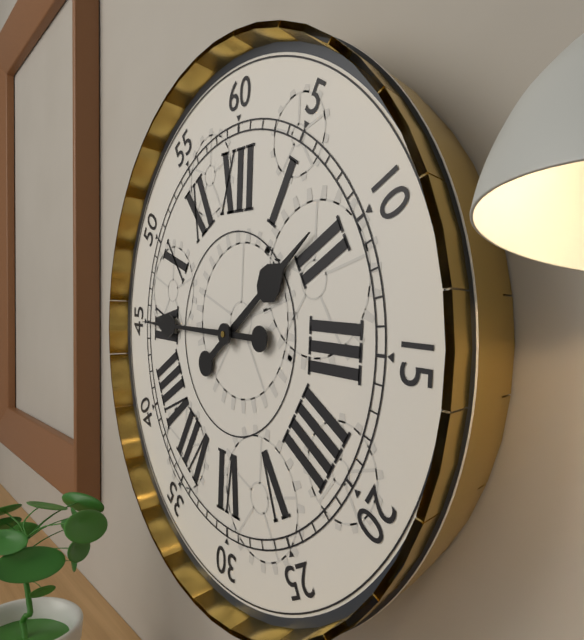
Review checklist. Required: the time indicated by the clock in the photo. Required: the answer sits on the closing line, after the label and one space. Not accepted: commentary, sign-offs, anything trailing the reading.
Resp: 1:45
